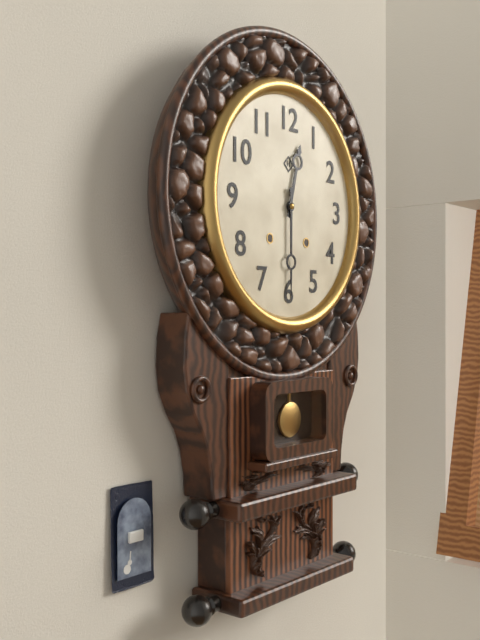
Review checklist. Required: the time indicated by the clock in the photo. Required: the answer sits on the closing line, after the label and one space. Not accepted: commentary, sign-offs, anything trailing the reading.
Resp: 12:30
